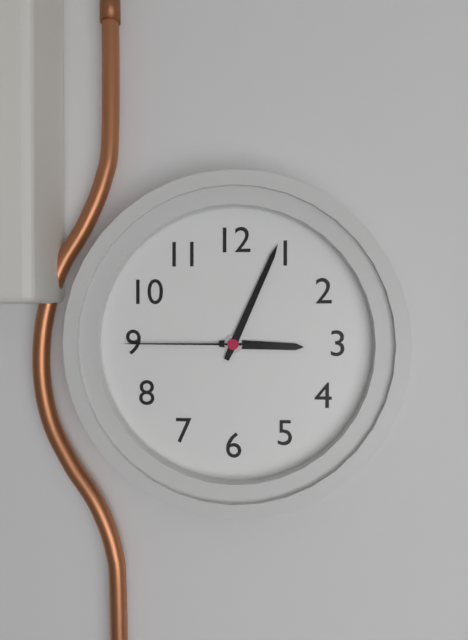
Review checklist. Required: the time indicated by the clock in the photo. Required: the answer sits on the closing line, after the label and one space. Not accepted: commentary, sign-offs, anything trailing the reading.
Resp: 3:04:45
